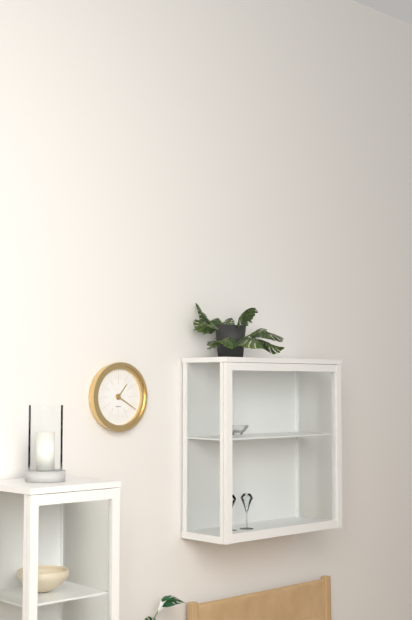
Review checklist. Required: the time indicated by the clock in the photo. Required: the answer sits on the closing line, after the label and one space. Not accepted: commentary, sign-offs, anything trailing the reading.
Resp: 1:20
